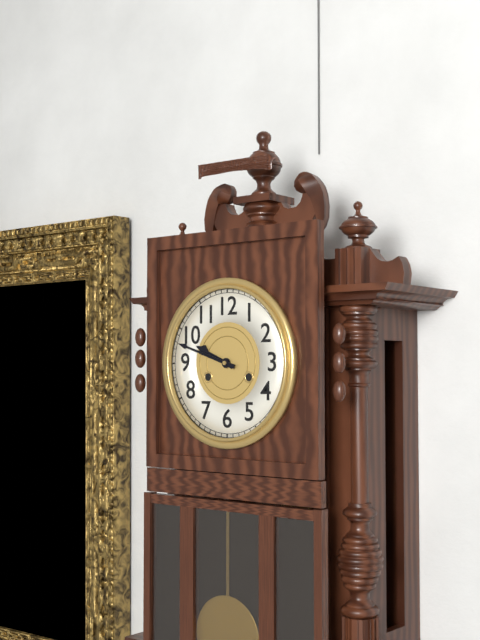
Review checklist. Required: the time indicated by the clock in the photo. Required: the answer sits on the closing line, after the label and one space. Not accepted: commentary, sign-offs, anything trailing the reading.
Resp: 9:48
